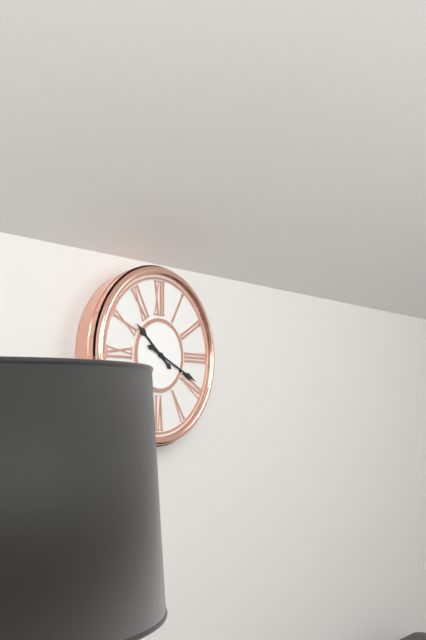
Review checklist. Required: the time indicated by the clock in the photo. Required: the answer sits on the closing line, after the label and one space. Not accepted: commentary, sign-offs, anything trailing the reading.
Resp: 10:19
